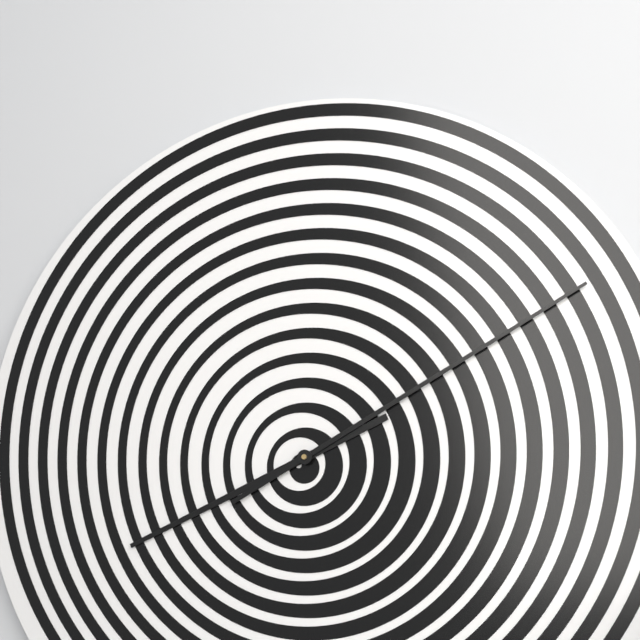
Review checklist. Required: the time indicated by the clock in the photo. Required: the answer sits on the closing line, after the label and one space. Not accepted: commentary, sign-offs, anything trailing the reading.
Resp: 8:10
